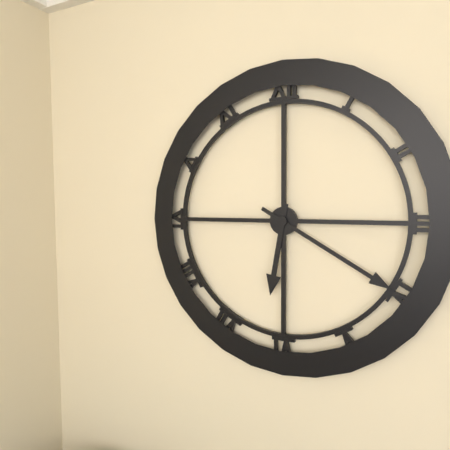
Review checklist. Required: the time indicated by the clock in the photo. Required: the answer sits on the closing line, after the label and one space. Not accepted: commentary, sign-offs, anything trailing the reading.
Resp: 6:20
